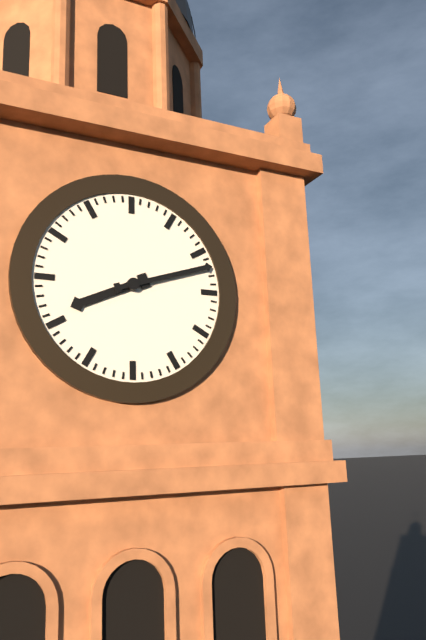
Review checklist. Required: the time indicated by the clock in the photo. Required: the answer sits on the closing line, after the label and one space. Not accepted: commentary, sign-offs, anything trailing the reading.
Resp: 8:12
